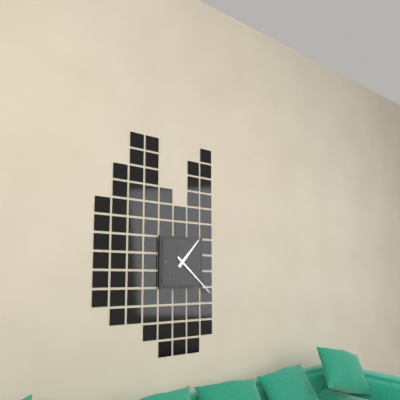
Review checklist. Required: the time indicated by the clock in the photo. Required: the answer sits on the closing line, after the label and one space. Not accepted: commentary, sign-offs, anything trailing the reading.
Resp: 1:22
